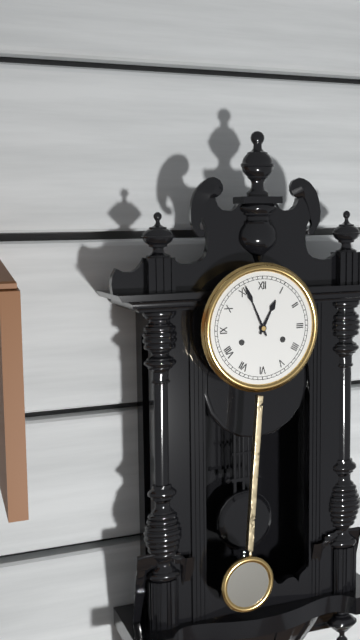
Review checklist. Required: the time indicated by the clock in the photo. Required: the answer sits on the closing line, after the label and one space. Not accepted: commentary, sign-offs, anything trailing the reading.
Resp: 12:56
